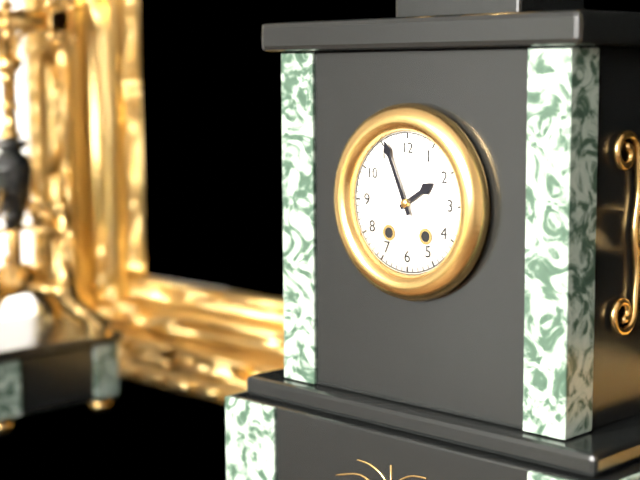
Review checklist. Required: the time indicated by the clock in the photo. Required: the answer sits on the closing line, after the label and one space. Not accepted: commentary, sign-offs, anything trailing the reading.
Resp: 1:56
